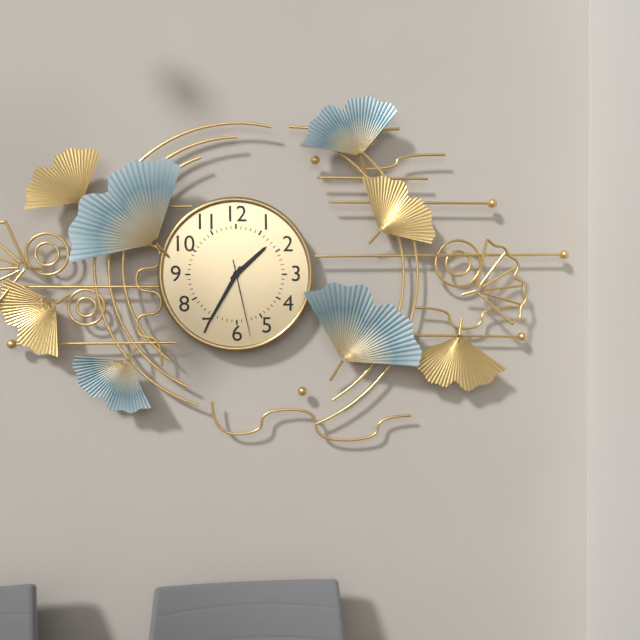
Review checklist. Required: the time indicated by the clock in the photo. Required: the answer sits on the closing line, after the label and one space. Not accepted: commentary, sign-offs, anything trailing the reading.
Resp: 1:35:28
